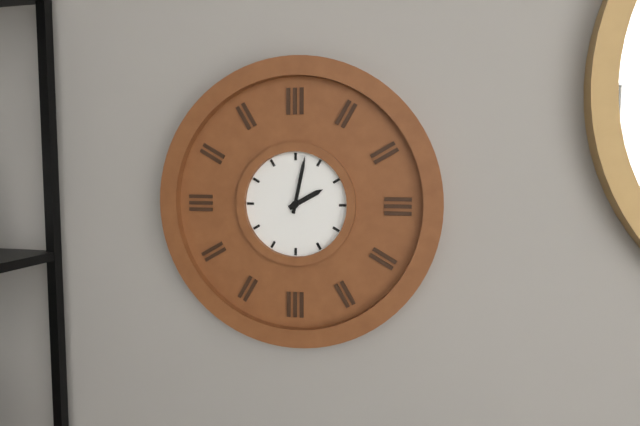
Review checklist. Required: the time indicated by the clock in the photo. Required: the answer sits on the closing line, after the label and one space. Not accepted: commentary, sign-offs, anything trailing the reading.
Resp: 2:02
